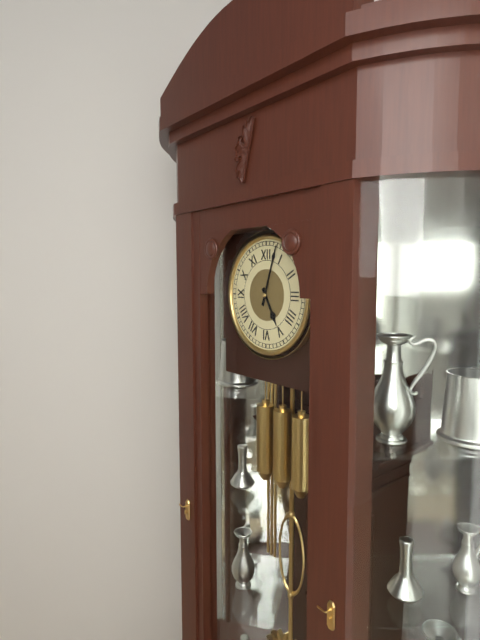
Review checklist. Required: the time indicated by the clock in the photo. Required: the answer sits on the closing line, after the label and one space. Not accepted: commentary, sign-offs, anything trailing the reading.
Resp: 5:03
